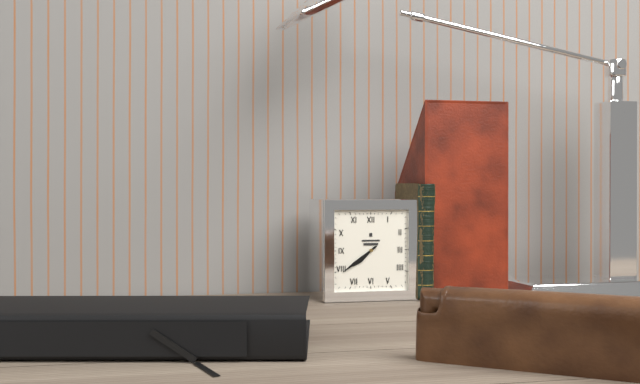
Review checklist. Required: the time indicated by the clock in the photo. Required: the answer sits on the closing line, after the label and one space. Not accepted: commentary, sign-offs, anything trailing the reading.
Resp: 7:39
